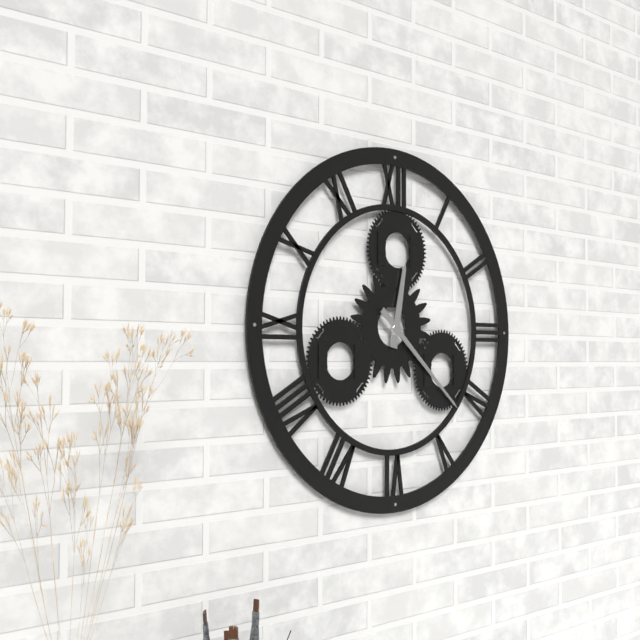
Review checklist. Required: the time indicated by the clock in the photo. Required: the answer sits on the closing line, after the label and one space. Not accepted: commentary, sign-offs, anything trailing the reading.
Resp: 12:22
